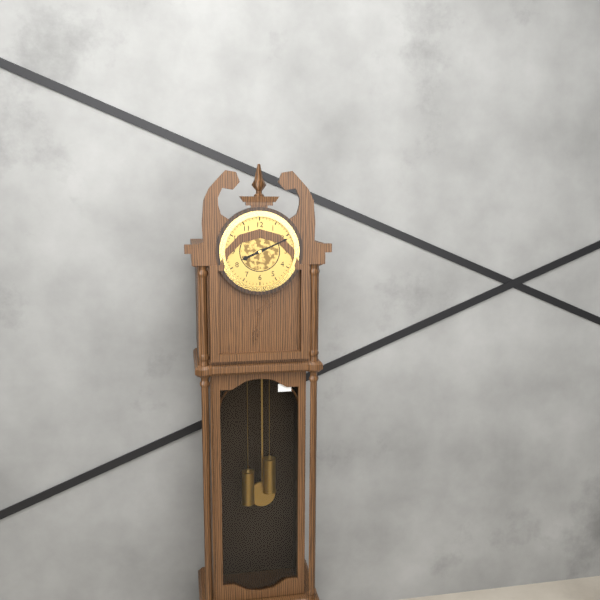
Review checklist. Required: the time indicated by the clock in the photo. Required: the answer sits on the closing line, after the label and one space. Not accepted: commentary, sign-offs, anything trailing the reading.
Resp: 8:11
